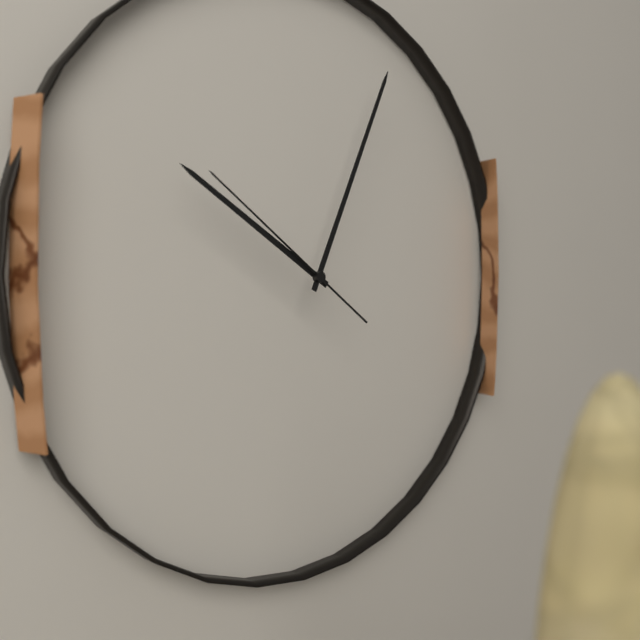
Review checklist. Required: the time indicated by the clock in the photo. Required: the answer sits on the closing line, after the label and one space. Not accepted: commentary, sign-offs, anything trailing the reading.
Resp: 10:04:51
